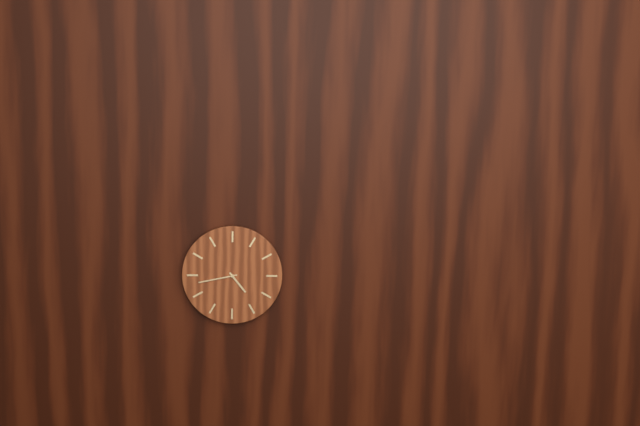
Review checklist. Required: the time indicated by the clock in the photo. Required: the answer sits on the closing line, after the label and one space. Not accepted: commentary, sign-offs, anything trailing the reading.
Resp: 4:43
